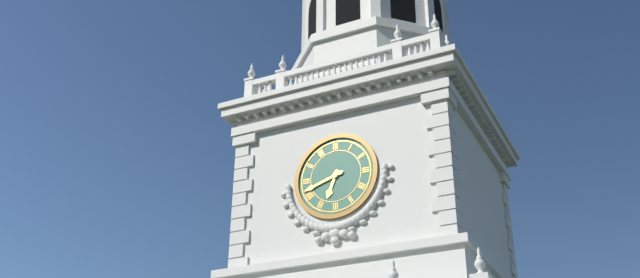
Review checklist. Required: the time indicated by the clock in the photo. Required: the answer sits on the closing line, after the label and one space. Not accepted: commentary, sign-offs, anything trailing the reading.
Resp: 6:42
